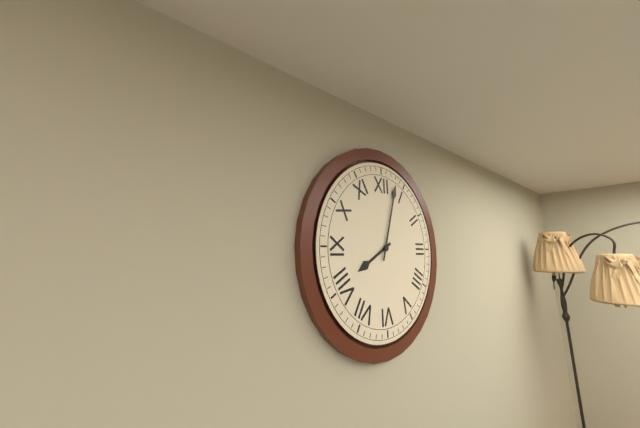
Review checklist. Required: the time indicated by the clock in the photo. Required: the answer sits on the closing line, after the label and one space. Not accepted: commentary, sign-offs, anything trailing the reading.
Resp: 8:03
